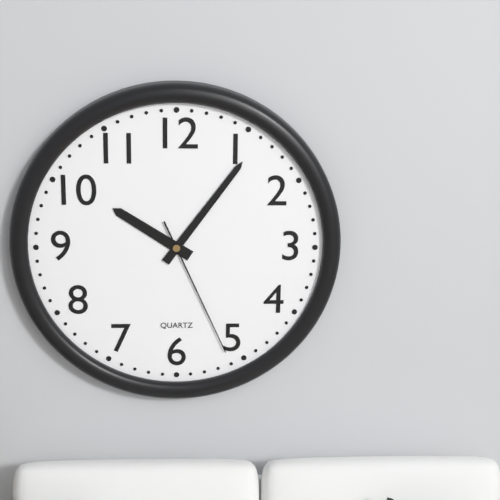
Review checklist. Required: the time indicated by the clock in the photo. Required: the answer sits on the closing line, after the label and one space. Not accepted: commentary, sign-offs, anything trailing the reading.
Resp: 10:06:26
